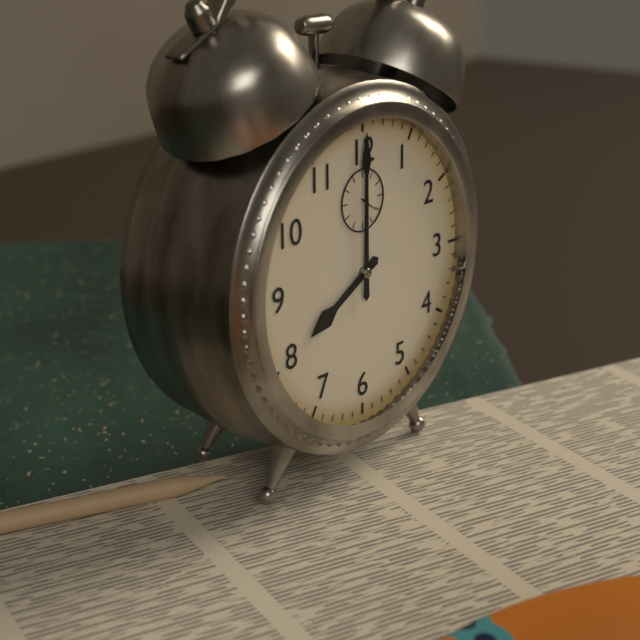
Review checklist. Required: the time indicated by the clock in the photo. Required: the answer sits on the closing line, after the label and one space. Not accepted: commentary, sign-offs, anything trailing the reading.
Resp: 8:00
